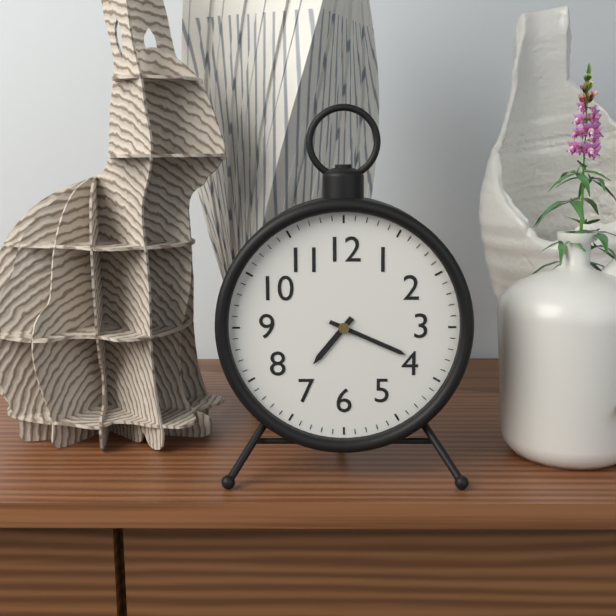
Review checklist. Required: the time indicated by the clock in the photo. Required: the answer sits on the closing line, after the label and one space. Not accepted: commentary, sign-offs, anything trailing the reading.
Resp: 7:19
